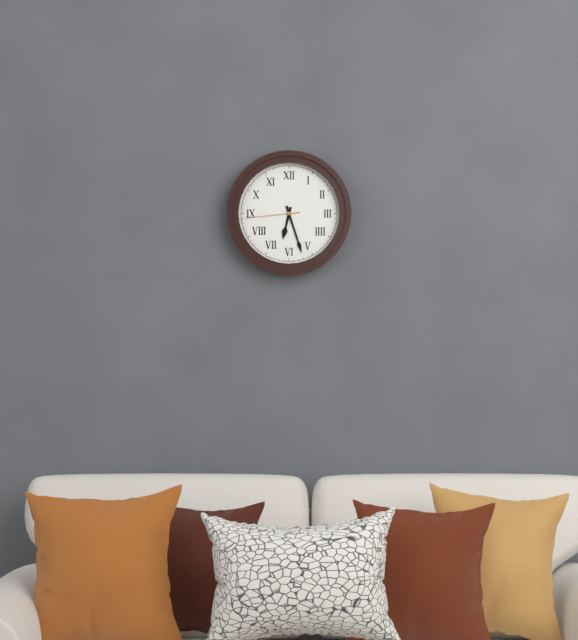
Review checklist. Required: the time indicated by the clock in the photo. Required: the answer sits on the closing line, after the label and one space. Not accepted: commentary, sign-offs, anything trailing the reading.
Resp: 6:27:44
